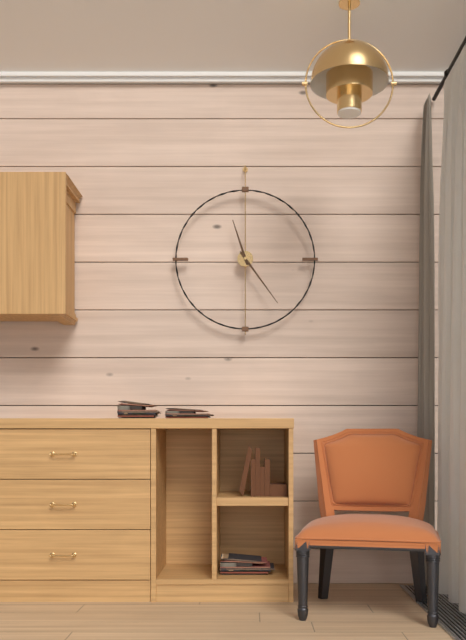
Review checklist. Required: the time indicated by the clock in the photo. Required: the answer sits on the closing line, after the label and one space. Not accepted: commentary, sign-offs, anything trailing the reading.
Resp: 11:24
